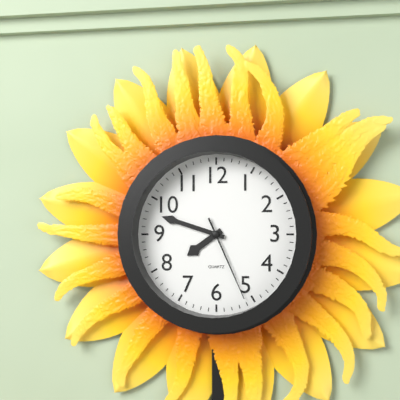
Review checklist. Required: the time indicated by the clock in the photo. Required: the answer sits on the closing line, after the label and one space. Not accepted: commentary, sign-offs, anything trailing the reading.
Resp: 7:48:26
